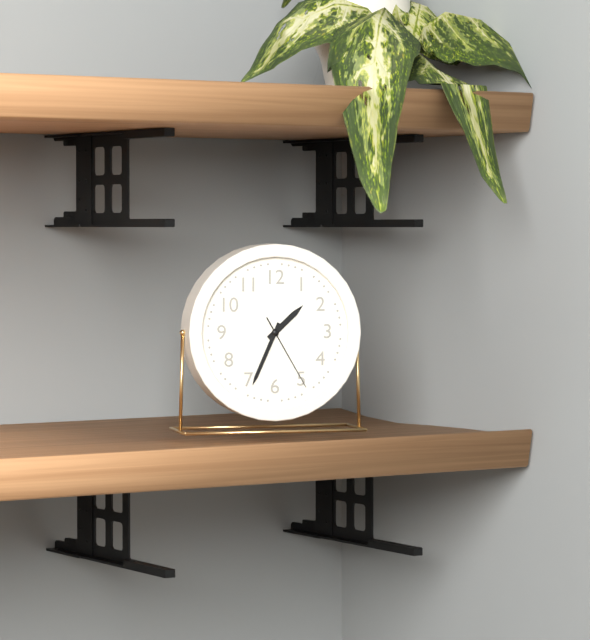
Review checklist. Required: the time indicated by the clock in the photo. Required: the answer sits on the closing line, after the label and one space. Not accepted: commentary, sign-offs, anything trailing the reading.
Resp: 1:34:25
